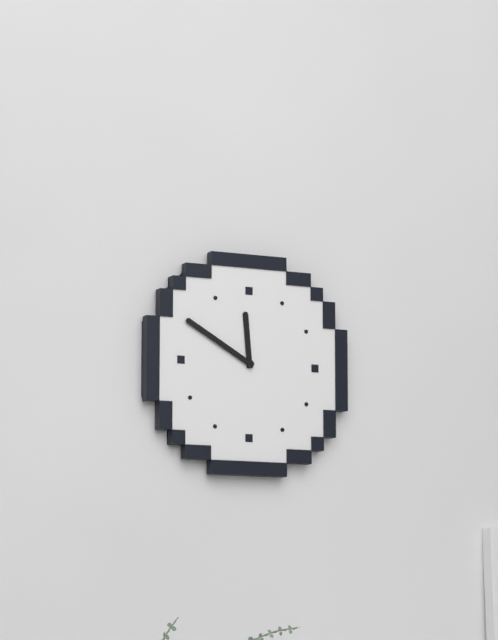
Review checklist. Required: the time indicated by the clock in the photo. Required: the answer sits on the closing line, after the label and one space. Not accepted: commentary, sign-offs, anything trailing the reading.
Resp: 11:50
